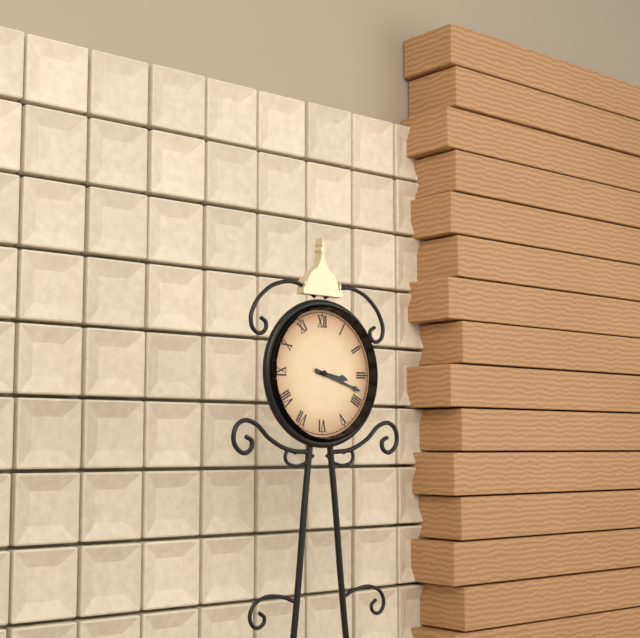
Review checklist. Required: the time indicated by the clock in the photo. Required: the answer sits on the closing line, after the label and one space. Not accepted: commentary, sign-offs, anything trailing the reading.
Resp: 3:18
